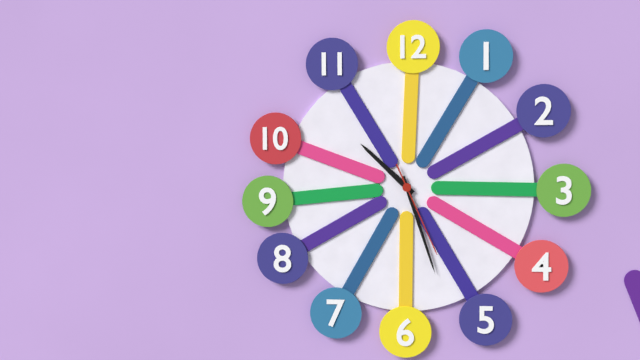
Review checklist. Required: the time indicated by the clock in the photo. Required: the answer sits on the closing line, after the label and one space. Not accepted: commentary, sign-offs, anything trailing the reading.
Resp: 10:27:26
